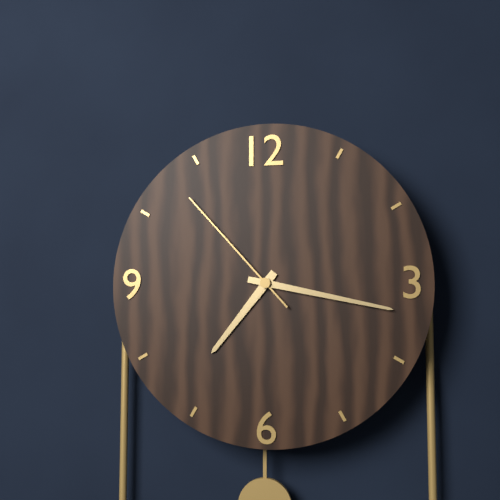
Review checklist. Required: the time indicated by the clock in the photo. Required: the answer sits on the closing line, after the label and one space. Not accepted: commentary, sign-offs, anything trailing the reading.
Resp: 7:17:53
